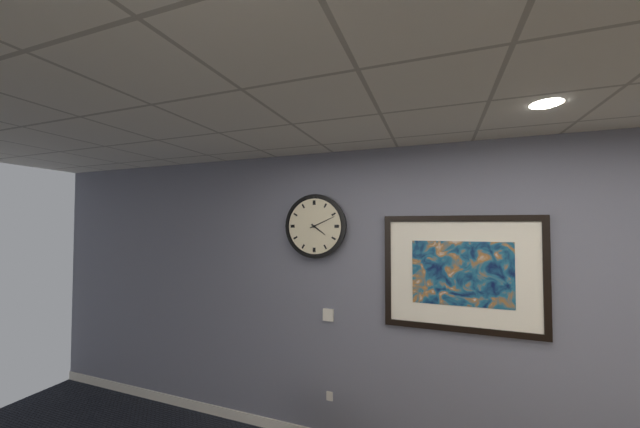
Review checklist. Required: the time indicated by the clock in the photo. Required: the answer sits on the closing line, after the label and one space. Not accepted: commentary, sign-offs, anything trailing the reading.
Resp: 4:11
